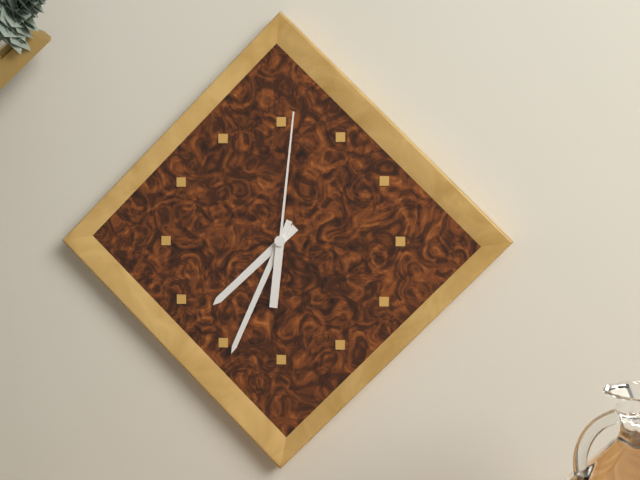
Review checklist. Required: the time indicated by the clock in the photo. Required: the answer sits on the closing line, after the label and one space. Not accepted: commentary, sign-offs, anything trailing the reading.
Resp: 7:34:01
